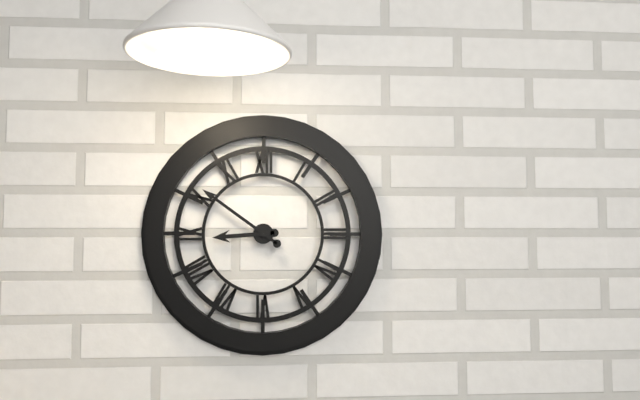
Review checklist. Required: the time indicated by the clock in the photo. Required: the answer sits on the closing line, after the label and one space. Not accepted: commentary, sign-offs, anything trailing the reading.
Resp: 8:51
